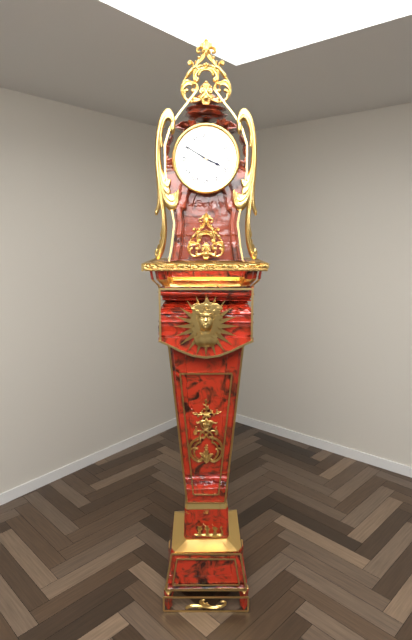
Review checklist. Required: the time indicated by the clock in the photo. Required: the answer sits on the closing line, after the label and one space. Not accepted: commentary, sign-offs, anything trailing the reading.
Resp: 3:50
